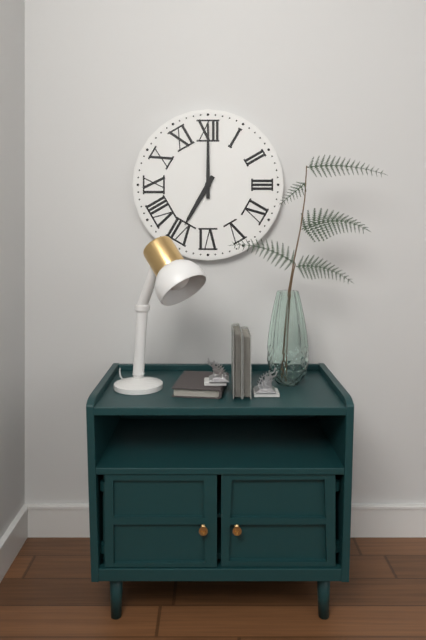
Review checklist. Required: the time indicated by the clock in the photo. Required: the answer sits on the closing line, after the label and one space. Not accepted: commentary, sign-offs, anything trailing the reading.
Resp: 7:00
